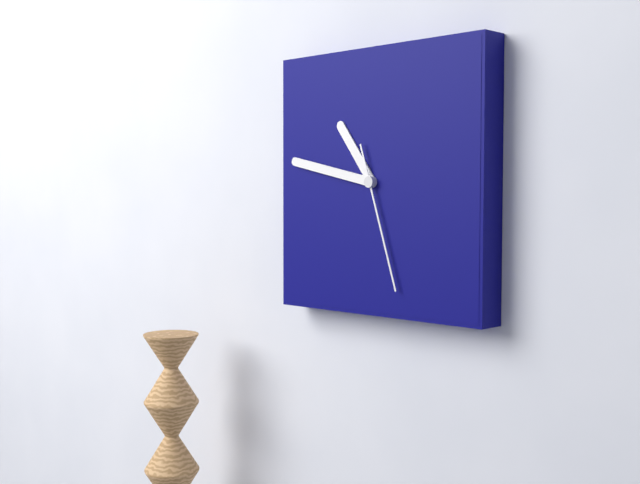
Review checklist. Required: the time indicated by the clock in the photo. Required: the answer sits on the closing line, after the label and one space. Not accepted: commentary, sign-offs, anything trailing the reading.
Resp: 10:47:27
